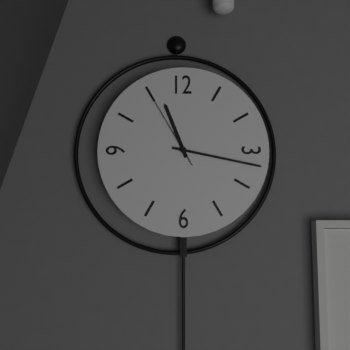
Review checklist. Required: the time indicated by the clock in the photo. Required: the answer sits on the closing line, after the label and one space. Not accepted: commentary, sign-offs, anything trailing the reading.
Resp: 11:17:55
